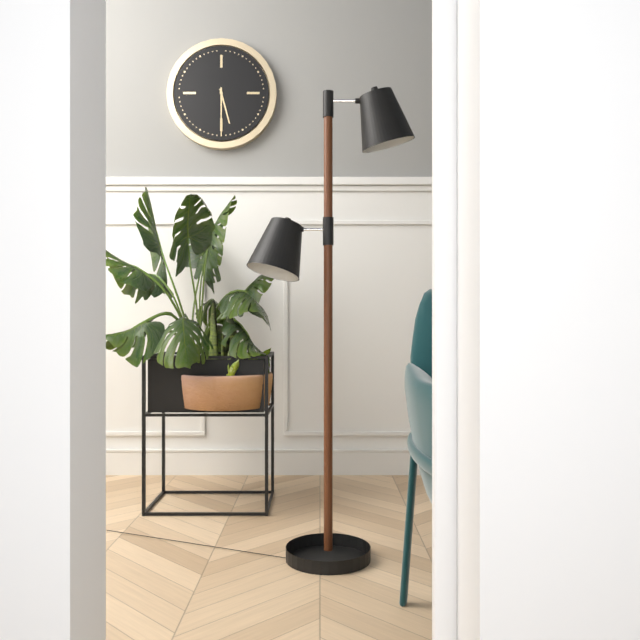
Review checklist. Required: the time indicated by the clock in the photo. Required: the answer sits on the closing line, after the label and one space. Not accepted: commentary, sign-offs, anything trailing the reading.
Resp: 5:30
